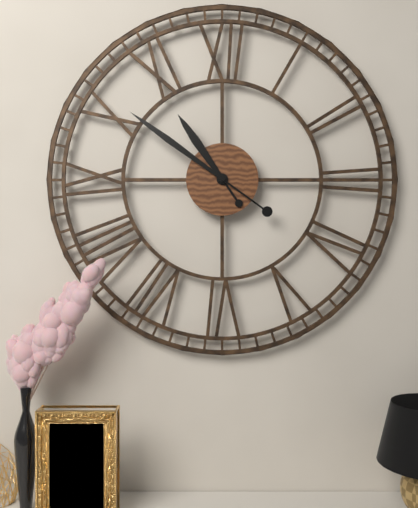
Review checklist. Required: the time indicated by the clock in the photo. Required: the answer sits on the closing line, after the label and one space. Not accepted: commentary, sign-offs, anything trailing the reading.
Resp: 10:51
